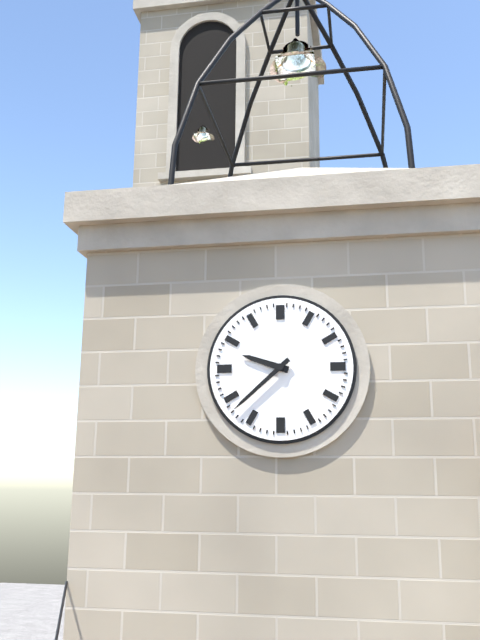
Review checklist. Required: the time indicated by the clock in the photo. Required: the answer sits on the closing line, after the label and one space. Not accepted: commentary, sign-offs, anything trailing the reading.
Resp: 9:38
